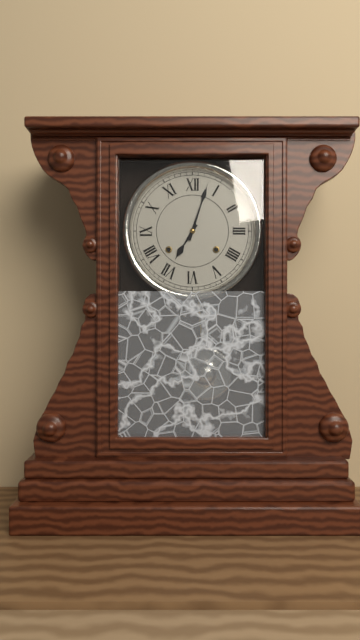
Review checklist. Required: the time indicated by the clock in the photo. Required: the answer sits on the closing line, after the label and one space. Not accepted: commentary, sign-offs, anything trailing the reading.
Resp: 7:03
